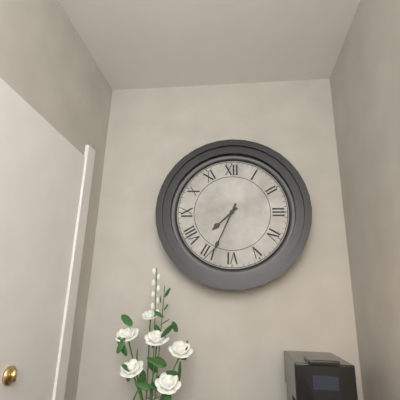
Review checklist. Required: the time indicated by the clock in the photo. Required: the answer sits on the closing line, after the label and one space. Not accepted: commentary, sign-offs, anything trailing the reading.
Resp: 7:34
